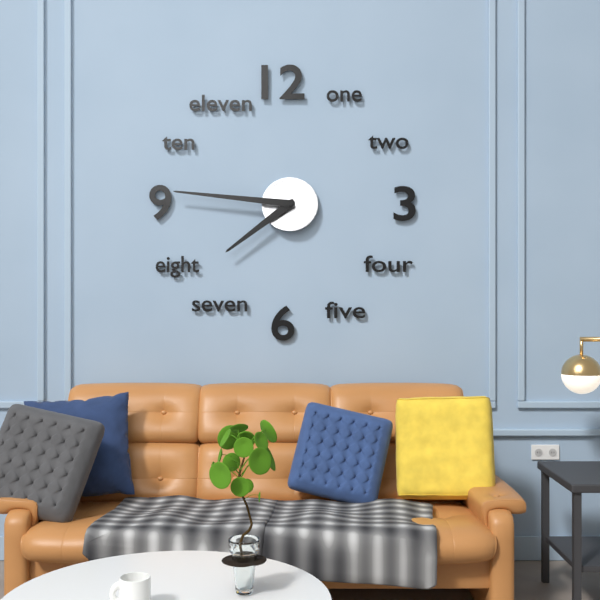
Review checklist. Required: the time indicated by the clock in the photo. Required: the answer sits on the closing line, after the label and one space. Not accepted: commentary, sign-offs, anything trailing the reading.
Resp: 7:46
